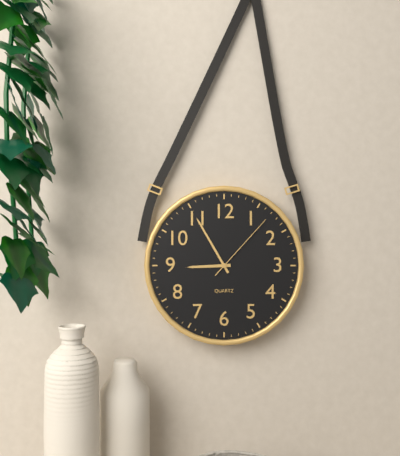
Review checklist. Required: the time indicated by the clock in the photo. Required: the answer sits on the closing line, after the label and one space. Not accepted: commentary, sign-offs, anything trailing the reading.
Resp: 8:55:07
